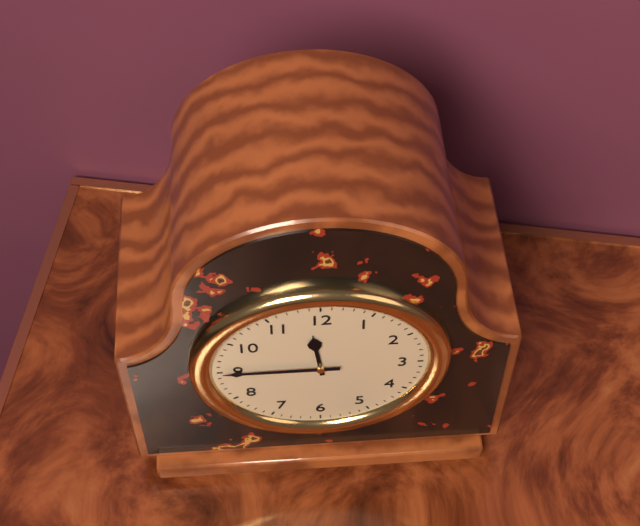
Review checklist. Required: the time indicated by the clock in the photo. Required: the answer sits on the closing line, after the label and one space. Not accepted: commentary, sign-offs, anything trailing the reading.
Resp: 11:45
